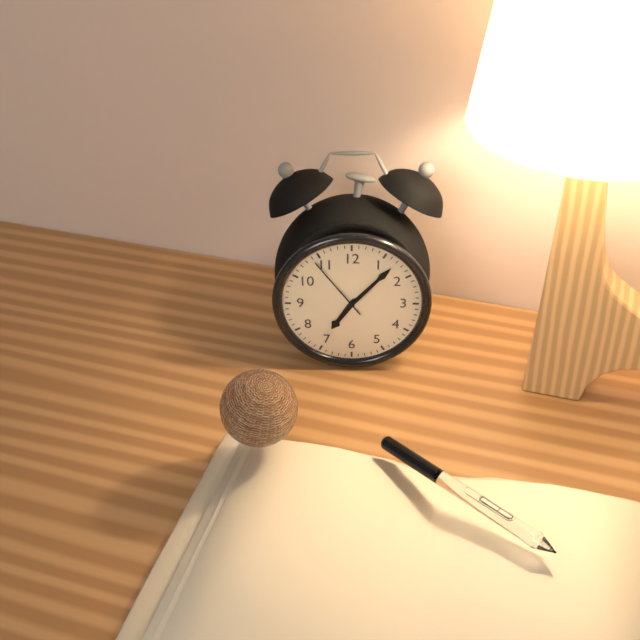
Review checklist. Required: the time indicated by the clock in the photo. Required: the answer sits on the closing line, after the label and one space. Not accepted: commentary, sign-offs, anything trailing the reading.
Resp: 7:07:54
